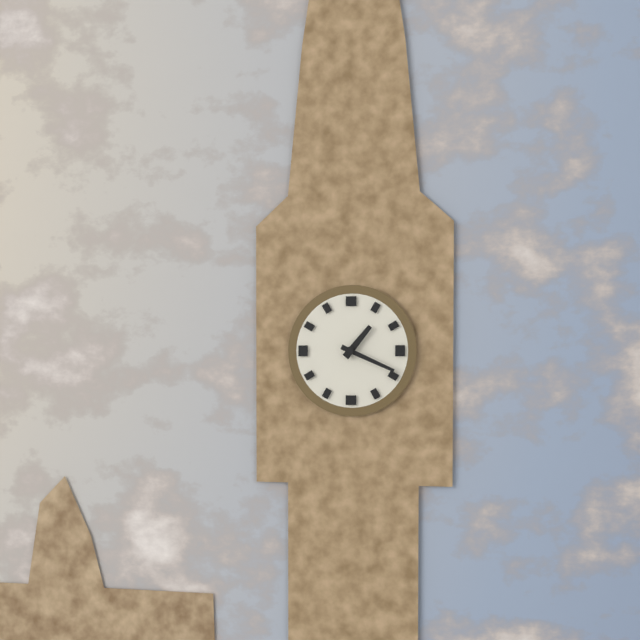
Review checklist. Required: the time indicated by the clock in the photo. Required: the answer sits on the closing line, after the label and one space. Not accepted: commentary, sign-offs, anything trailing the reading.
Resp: 1:19
